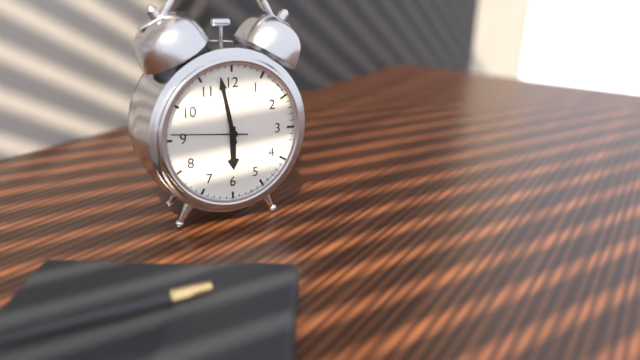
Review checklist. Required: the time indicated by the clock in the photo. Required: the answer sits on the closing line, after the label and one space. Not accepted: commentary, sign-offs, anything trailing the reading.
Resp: 5:58:46
